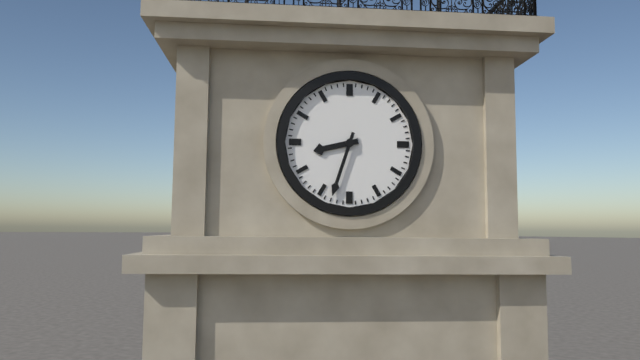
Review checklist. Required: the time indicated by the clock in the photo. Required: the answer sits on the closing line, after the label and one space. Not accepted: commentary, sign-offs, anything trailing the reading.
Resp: 8:33
